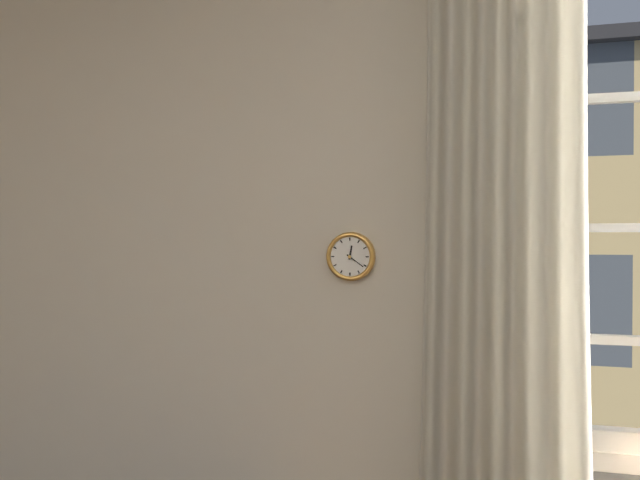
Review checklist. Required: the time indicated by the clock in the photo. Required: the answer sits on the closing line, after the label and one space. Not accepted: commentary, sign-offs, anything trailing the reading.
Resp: 12:21
